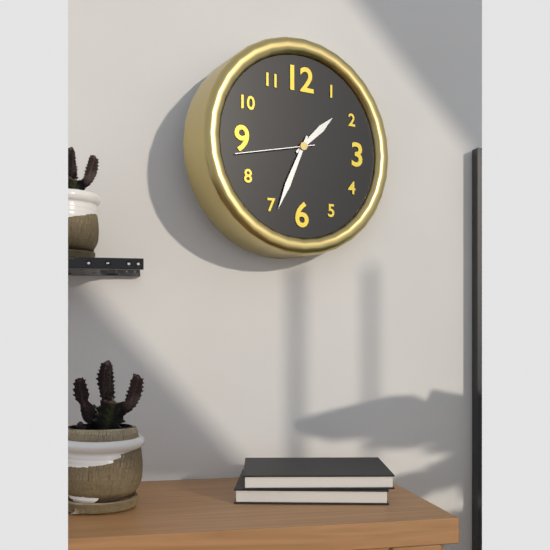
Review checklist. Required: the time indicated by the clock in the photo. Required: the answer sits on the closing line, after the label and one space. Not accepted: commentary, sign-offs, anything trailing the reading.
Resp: 1:34:43
